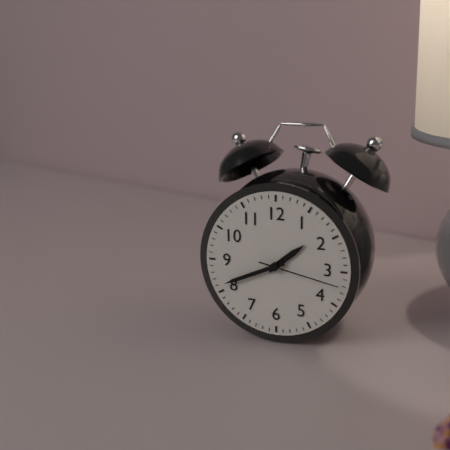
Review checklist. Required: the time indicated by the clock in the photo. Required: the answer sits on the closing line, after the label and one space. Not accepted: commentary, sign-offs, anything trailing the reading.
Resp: 1:41:17
